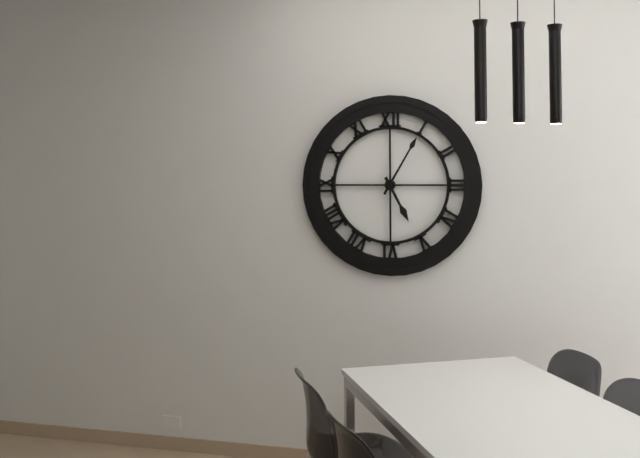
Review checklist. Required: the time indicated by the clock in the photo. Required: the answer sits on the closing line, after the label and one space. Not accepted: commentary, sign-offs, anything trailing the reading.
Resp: 5:05
